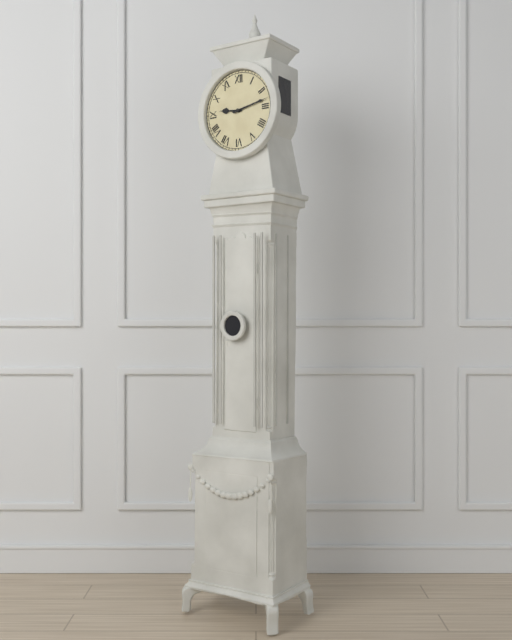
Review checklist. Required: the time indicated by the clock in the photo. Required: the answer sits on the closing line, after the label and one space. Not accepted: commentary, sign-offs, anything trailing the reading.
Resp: 9:13
